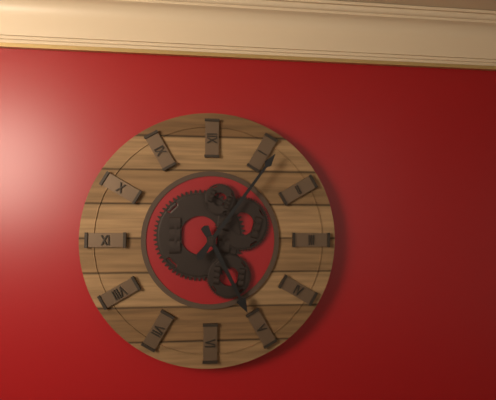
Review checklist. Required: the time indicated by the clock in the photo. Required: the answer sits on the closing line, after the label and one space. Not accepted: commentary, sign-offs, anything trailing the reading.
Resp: 5:06
